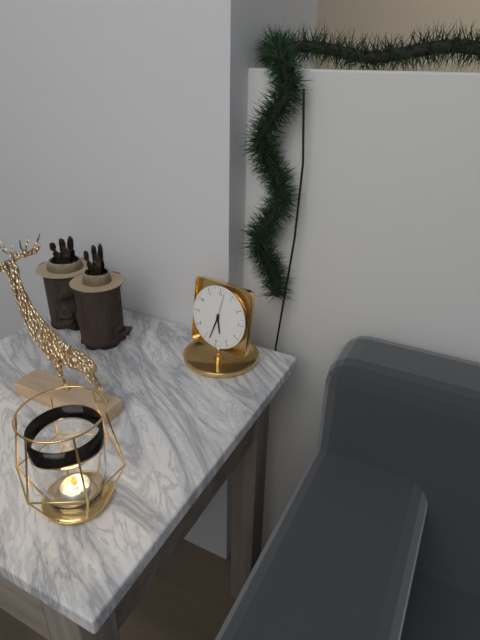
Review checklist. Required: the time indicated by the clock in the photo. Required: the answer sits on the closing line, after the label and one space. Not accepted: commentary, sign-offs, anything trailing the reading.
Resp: 5:33
